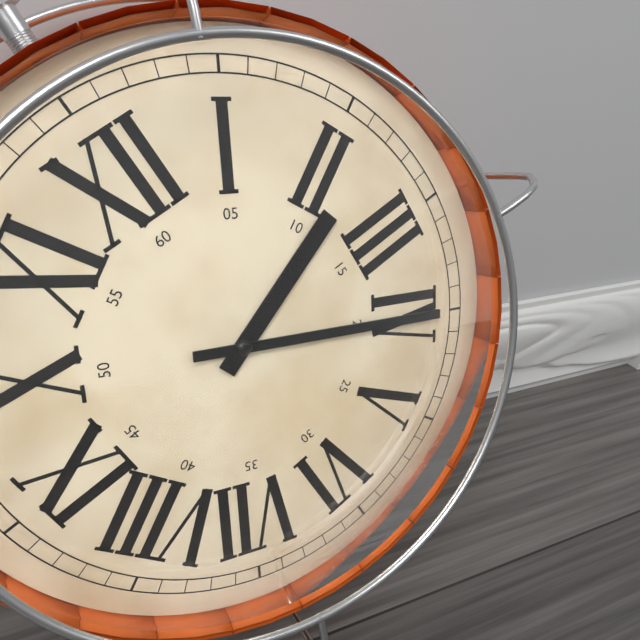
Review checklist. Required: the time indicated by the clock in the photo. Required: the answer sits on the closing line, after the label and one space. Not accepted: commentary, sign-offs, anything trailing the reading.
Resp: 2:20
